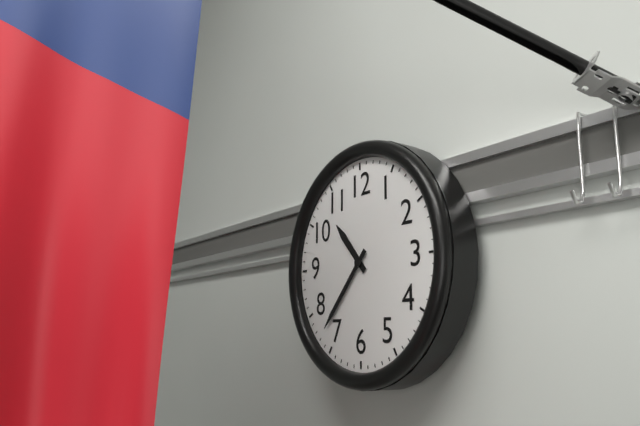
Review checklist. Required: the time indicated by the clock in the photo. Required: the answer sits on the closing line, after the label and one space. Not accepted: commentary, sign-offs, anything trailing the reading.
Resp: 10:37
